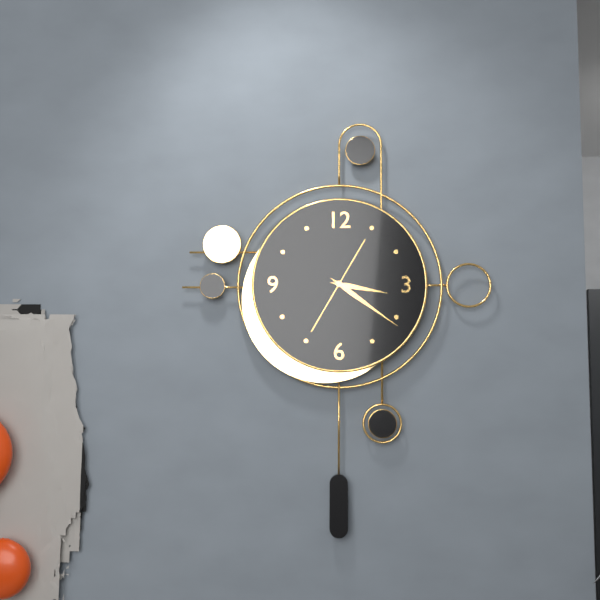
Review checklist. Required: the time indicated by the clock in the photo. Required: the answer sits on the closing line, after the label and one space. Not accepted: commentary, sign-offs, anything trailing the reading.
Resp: 3:21:35
